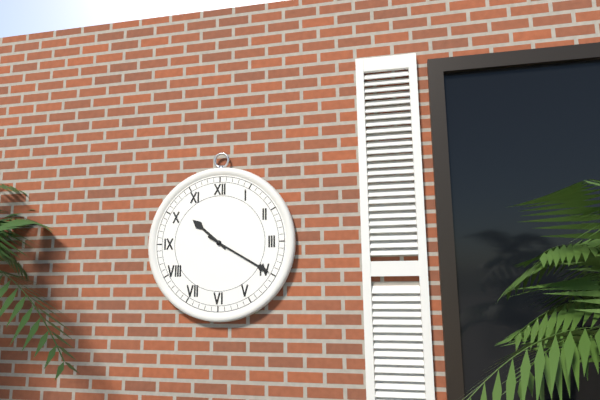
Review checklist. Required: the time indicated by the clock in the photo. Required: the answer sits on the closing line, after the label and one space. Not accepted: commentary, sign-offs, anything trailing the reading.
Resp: 10:20
